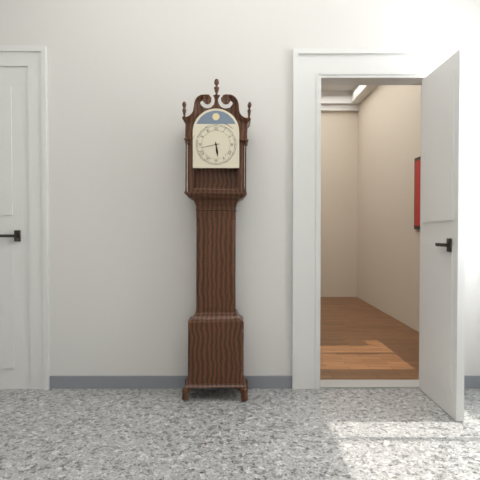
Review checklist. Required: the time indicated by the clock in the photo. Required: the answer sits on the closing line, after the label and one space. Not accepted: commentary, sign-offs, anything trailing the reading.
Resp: 5:43
